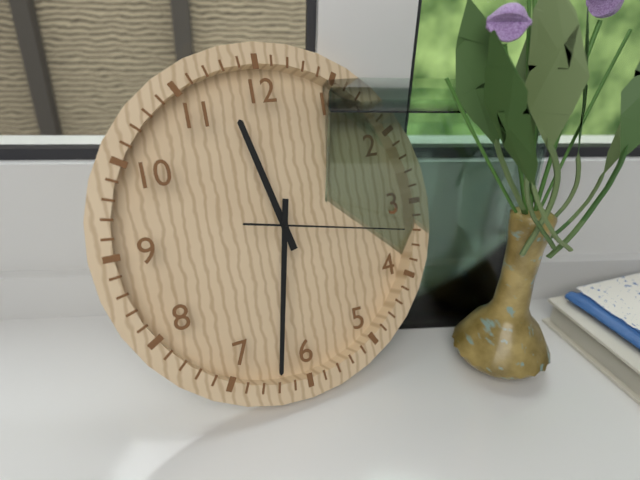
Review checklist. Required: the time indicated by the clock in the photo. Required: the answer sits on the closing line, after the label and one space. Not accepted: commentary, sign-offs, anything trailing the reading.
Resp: 11:32:17
